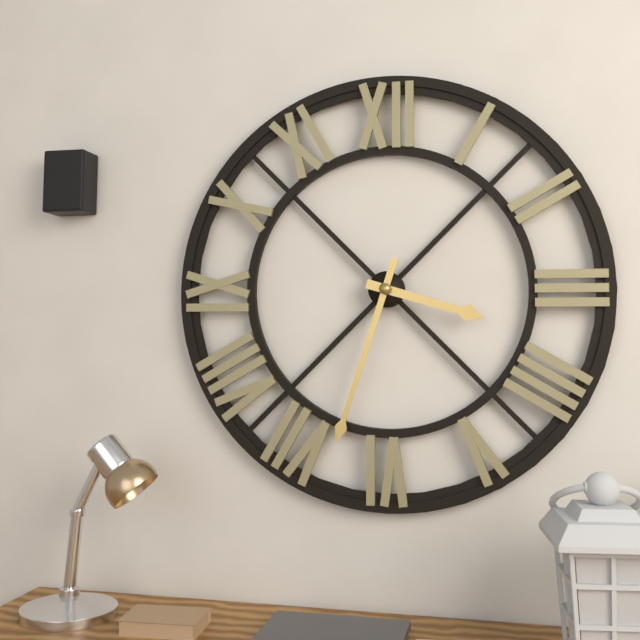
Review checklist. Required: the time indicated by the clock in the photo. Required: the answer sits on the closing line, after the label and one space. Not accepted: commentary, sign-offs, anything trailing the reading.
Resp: 3:33
